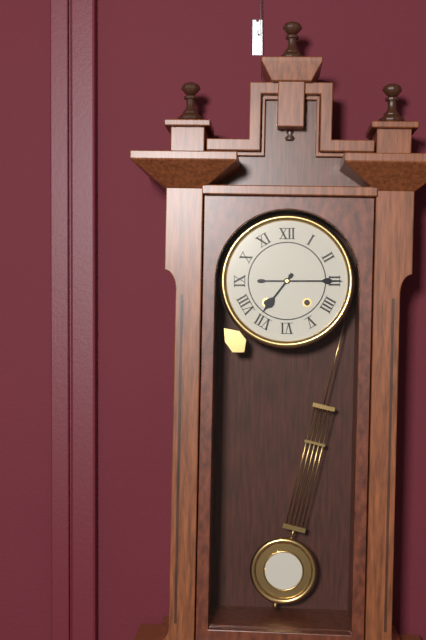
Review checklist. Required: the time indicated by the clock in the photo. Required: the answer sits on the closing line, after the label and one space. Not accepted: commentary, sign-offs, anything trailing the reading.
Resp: 7:15
